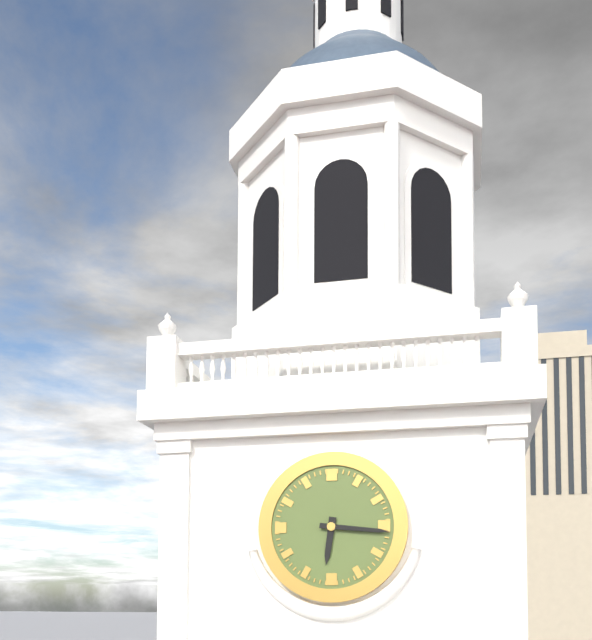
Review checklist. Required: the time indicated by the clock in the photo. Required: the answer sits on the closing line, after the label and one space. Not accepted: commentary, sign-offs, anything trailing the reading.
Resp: 6:16
